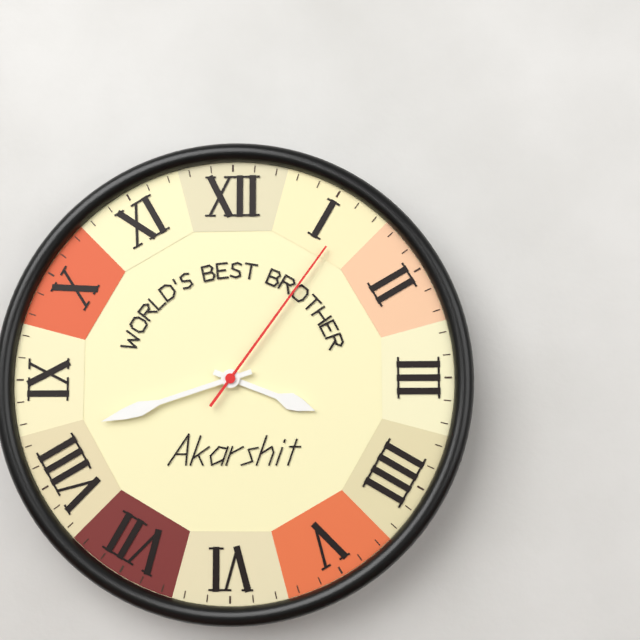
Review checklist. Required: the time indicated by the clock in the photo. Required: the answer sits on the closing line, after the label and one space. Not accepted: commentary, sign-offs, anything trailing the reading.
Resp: 3:42:06
